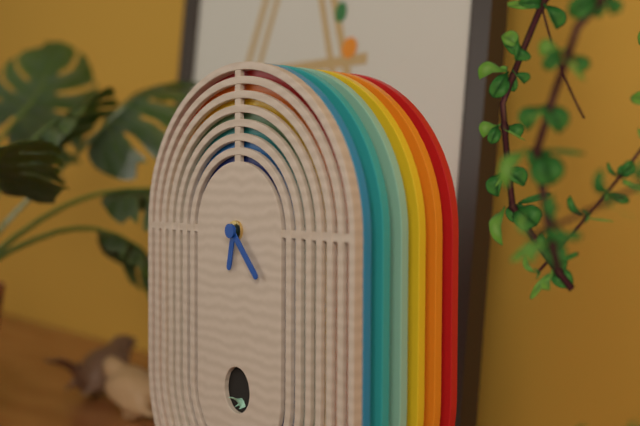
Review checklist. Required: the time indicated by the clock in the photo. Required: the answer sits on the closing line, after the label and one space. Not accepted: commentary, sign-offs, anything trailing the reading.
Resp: 6:23
